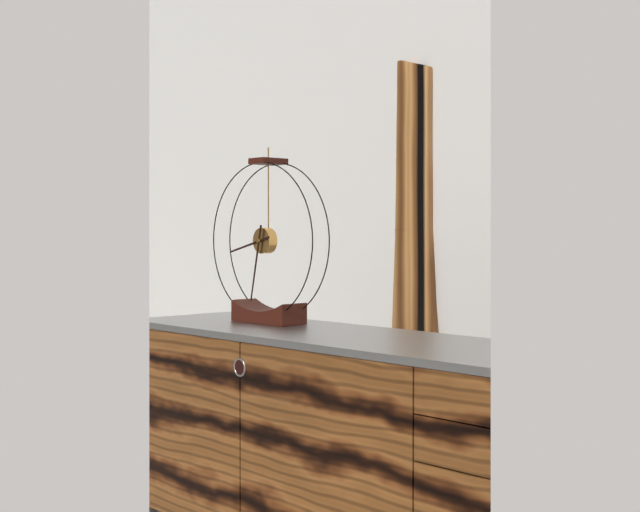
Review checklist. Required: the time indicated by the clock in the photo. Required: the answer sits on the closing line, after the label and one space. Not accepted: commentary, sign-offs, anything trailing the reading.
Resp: 8:32
